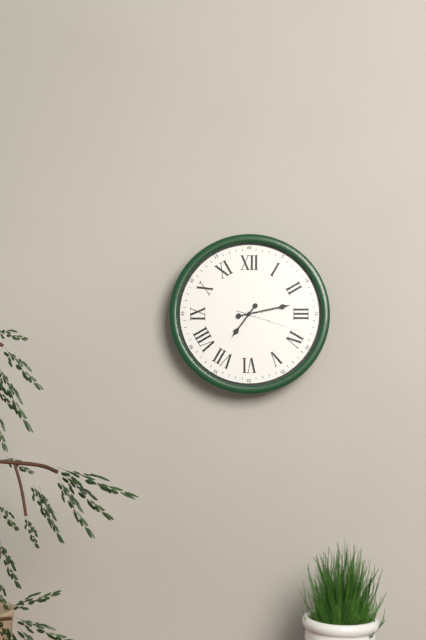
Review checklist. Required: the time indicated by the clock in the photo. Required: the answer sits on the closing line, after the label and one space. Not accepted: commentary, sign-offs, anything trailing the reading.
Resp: 7:13:18
